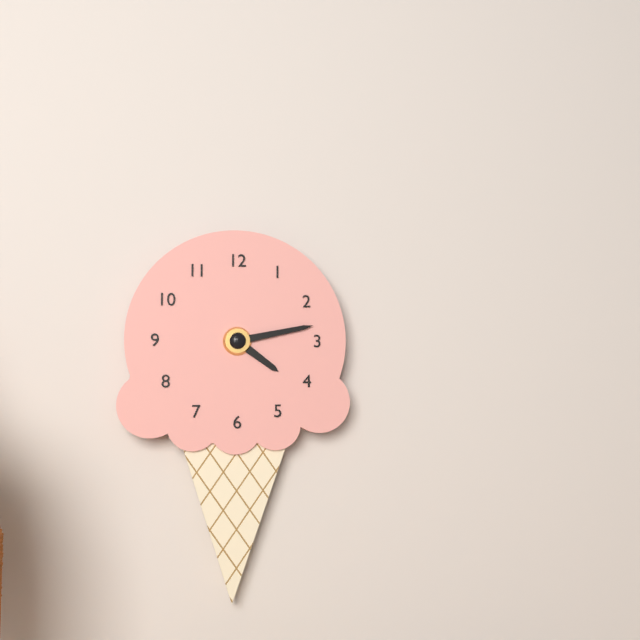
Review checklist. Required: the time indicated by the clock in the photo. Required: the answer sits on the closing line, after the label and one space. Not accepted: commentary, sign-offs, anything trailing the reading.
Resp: 4:13
